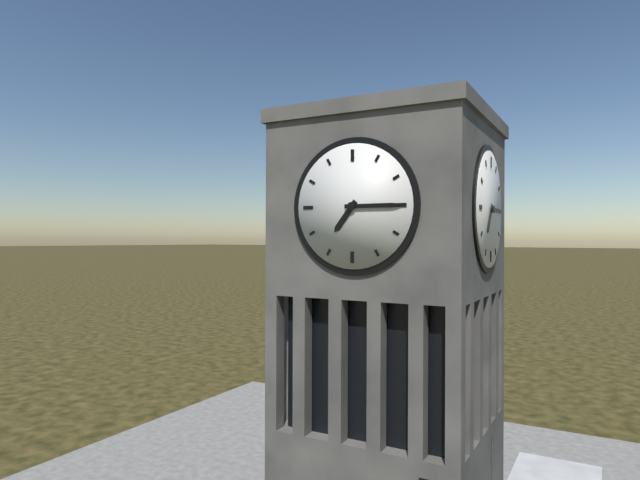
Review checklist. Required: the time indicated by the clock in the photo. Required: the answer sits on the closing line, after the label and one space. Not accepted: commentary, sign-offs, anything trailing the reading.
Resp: 7:15
